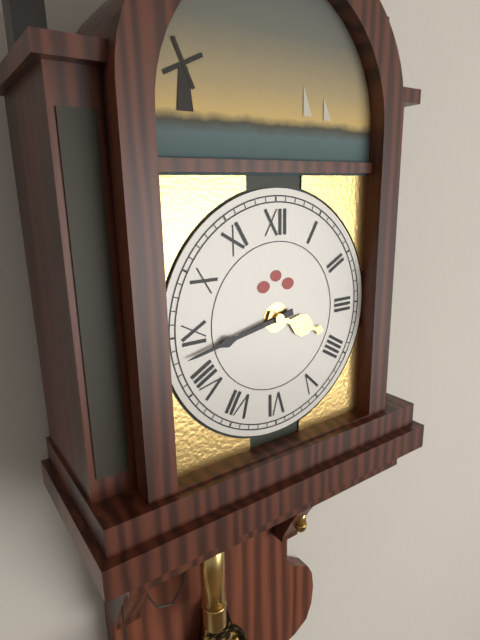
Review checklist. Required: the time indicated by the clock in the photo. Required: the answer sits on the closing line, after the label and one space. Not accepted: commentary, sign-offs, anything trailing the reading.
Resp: 3:43
